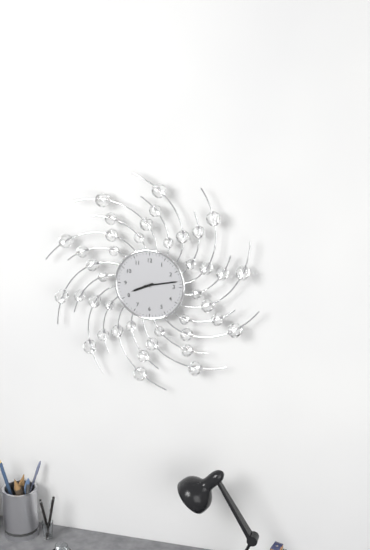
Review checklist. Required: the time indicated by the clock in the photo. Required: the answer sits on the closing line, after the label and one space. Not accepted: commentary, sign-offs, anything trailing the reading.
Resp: 8:13
